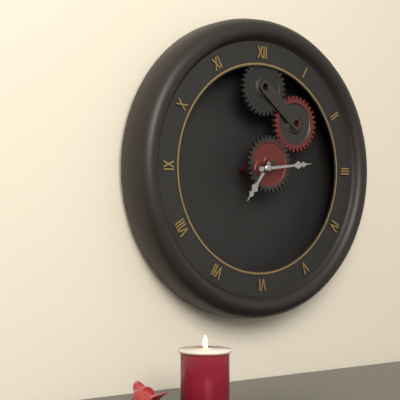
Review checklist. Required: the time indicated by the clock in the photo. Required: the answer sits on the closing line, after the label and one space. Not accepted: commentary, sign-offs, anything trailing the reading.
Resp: 7:14
